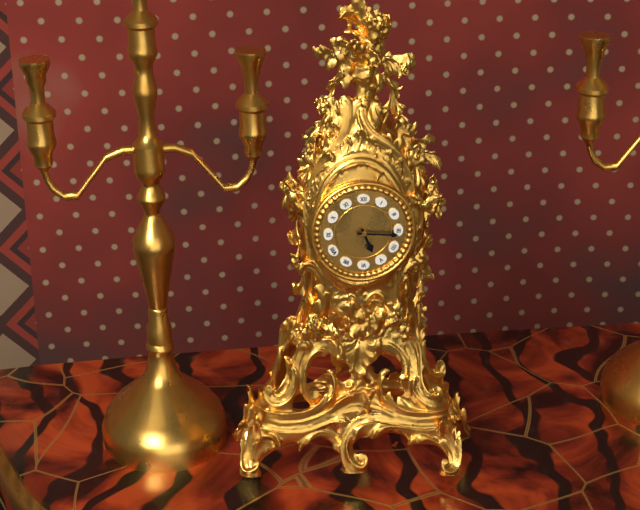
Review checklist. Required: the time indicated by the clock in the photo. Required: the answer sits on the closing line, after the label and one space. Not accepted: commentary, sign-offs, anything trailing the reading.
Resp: 5:16
